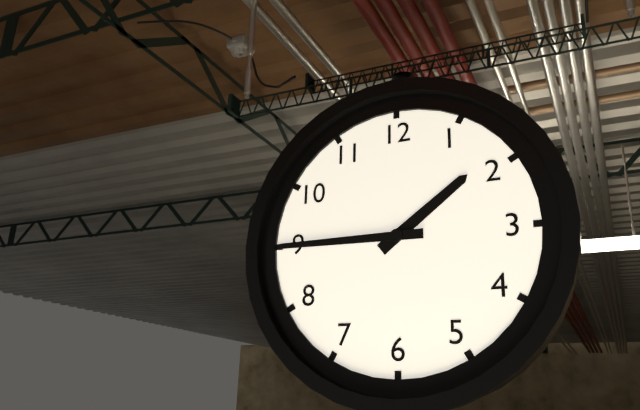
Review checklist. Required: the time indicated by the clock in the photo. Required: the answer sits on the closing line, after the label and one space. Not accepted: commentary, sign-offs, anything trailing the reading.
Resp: 1:45
